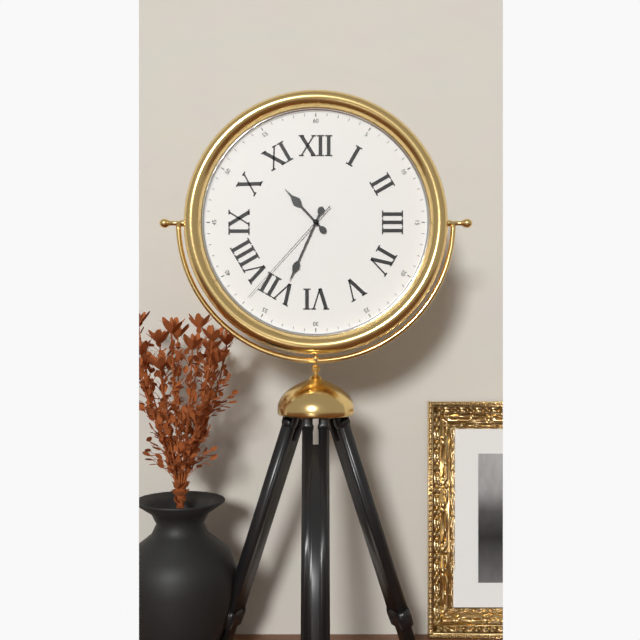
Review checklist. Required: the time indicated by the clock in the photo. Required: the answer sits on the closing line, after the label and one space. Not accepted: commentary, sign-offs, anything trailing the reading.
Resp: 10:34:37
